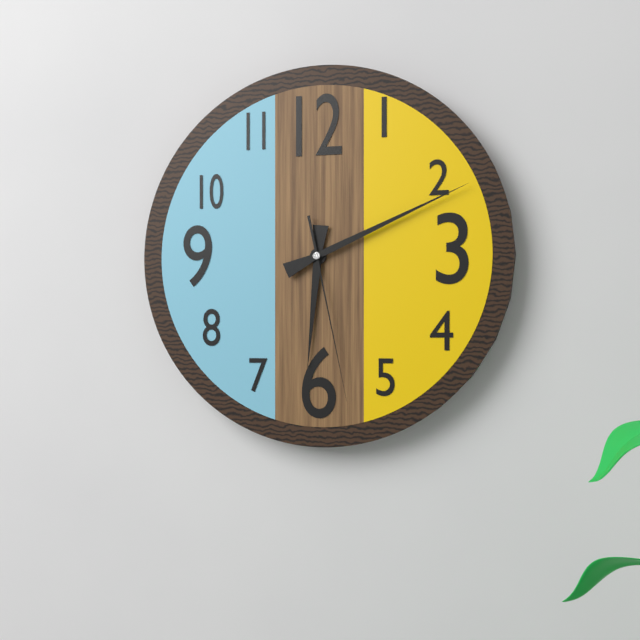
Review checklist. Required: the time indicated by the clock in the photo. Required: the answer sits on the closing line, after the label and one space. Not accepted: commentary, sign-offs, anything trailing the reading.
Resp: 6:11:28
